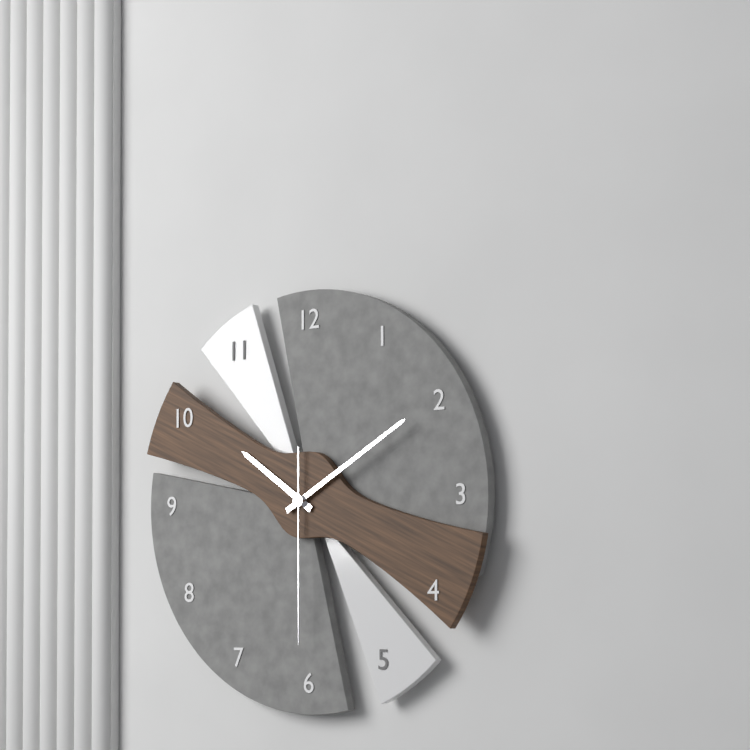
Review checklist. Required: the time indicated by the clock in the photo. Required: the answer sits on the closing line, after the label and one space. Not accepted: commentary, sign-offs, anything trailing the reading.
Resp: 10:10:30
